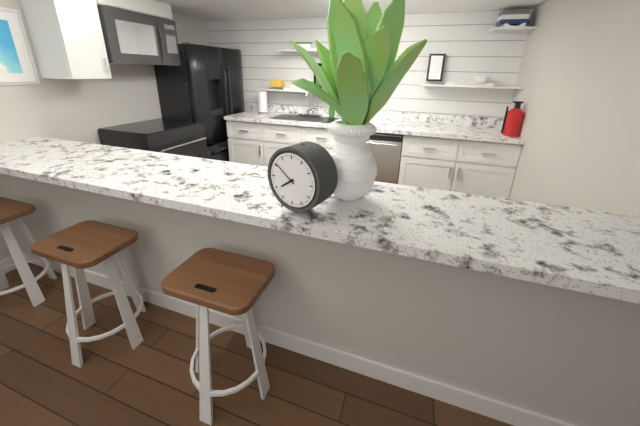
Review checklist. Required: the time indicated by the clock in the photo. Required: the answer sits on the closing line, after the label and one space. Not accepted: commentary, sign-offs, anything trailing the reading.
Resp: 7:51
